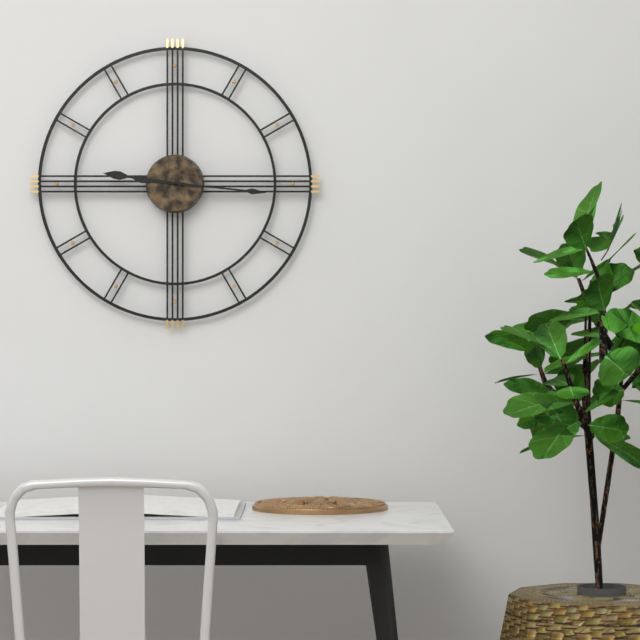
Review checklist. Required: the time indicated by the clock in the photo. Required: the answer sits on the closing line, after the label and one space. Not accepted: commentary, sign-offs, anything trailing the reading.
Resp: 9:16
